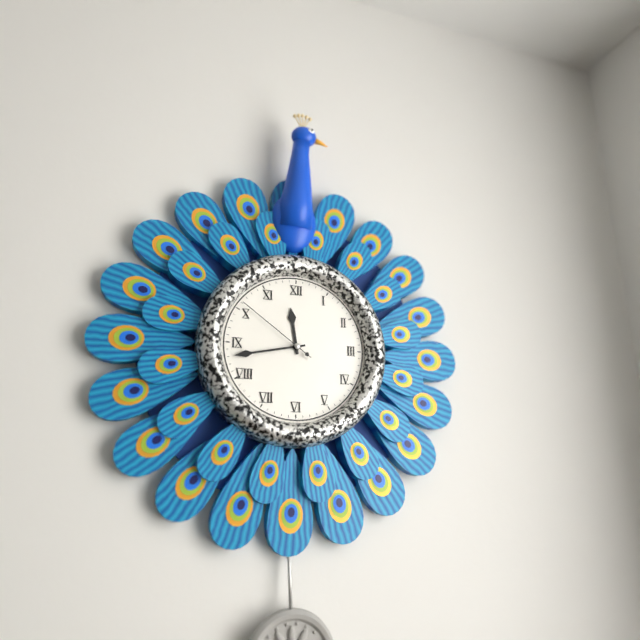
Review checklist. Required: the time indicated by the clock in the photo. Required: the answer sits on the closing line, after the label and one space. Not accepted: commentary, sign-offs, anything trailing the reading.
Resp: 11:43:51
